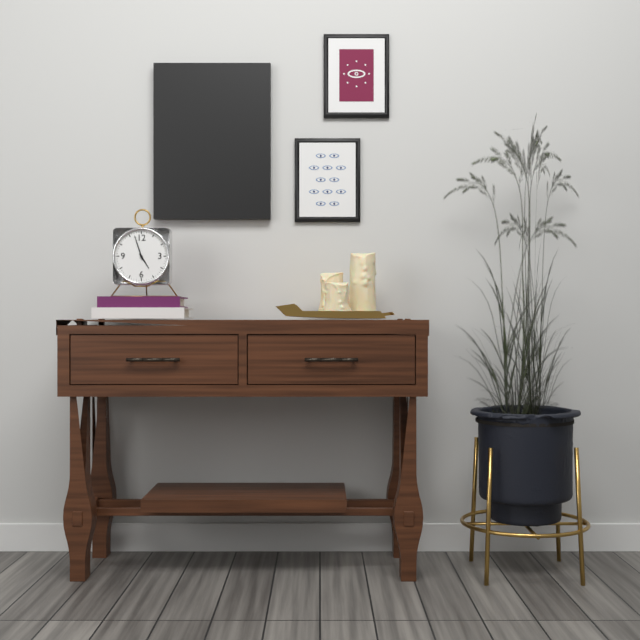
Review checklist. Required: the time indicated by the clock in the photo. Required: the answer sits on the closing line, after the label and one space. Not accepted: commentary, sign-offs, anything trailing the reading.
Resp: 4:57
